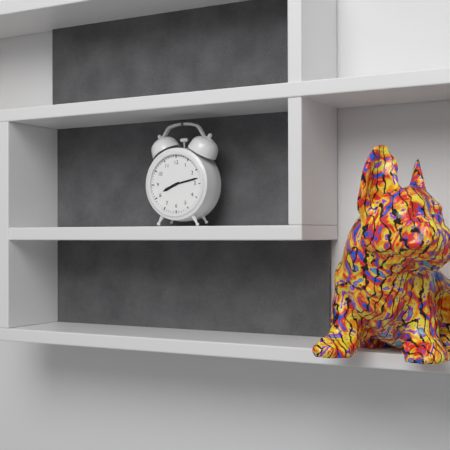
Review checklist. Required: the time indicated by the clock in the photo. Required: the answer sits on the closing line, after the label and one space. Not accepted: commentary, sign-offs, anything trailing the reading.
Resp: 8:13
